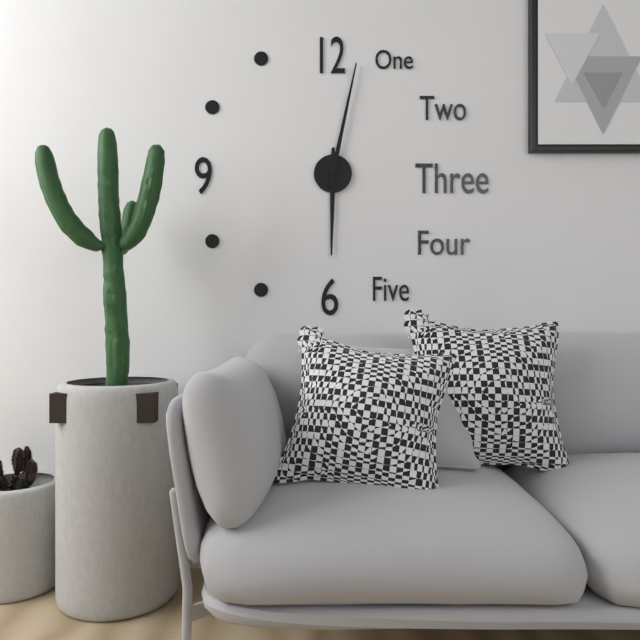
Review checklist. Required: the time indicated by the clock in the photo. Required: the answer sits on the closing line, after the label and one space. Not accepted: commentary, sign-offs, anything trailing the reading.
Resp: 6:02
